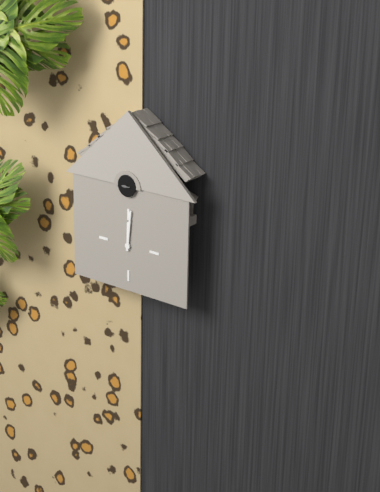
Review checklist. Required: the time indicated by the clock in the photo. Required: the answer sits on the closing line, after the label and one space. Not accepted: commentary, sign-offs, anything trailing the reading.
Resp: 12:01
